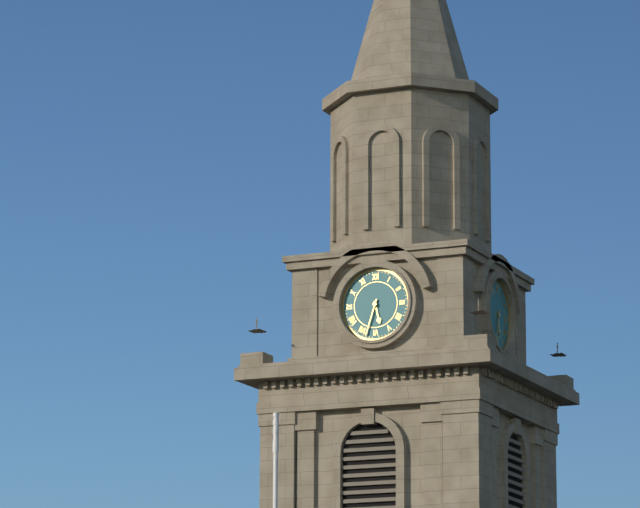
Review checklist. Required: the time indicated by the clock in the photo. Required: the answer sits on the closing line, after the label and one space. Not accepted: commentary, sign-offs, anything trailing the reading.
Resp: 5:33
